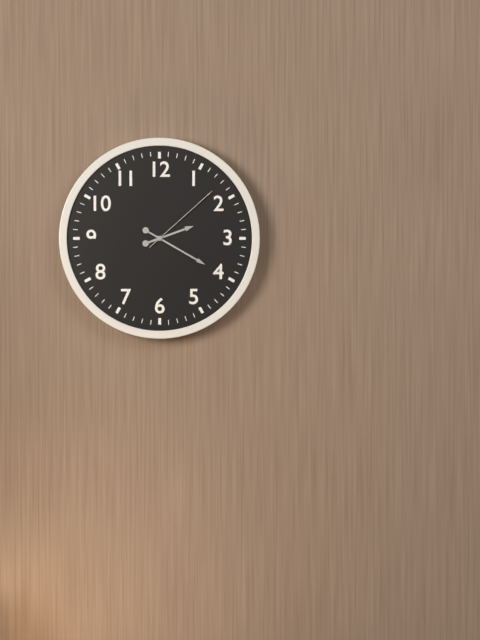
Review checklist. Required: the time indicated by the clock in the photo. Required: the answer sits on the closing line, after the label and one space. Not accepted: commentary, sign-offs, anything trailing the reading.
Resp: 2:20:08
